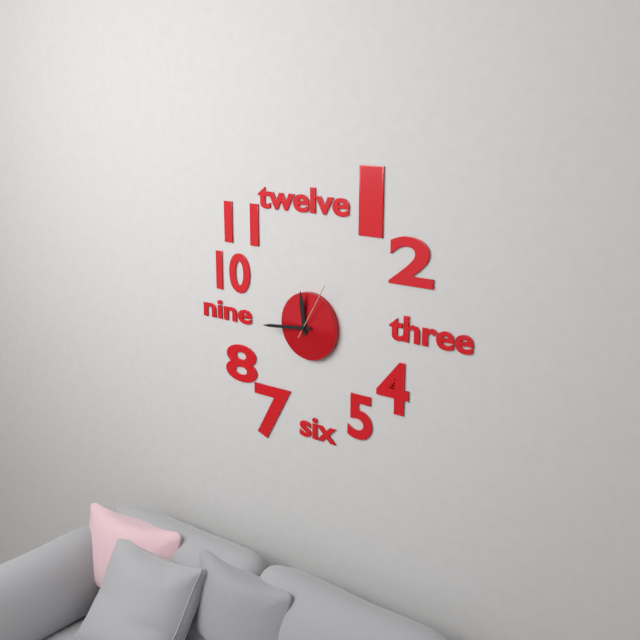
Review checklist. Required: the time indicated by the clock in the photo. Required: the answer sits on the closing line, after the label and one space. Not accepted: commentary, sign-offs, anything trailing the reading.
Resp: 11:44:05
